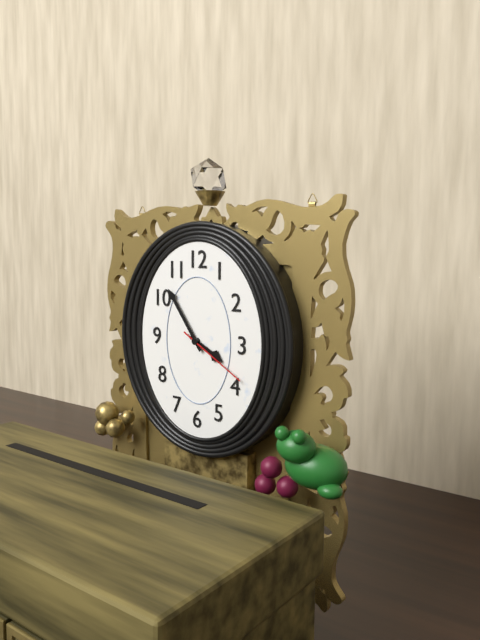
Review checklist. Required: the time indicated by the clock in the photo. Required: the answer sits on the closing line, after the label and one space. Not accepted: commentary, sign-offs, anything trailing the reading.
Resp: 3:54:20
